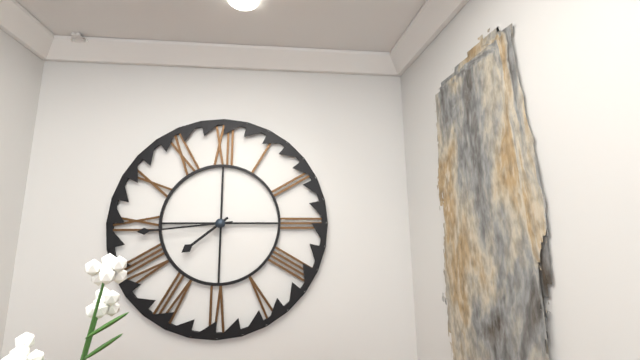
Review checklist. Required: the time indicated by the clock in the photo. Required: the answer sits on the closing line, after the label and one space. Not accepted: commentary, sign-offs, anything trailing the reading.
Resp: 7:44
